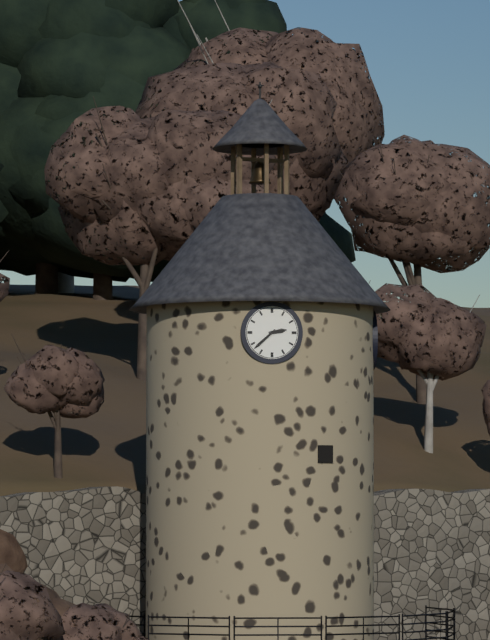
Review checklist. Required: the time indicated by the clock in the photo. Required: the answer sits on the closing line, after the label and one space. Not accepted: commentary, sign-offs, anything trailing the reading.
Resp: 2:38
